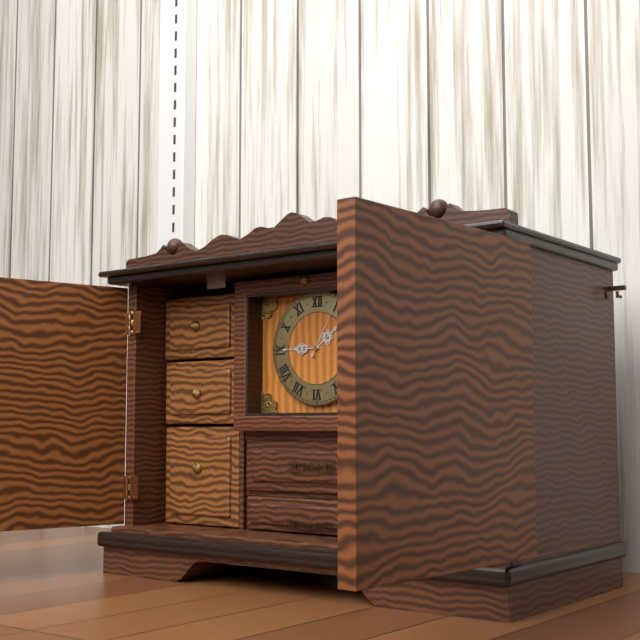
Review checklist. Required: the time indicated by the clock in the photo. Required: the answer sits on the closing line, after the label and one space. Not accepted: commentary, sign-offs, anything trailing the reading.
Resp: 1:45:05
